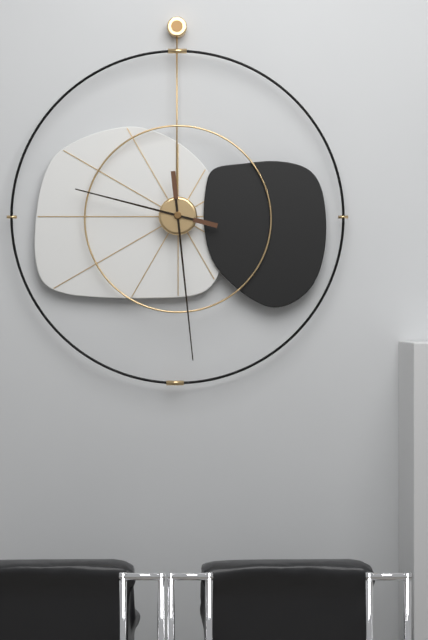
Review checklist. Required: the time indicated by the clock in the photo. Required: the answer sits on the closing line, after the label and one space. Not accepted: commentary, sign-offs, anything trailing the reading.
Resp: 9:29
